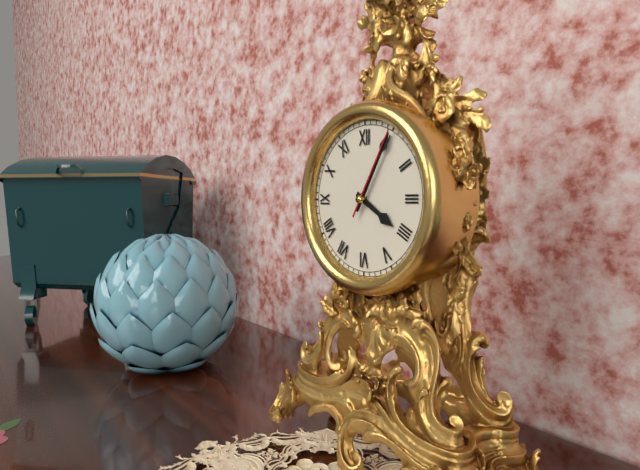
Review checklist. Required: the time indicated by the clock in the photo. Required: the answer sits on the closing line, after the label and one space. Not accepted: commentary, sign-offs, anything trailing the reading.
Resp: 4:05:05
